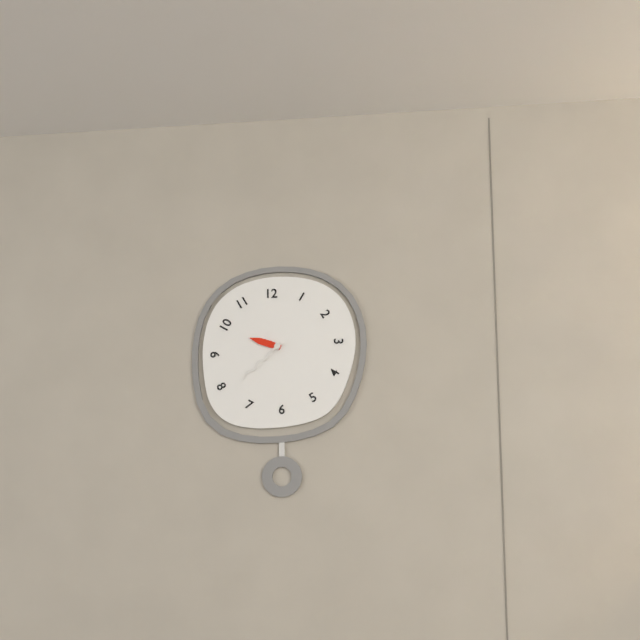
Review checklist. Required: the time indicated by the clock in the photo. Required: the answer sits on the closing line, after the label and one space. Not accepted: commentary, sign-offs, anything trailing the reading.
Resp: 9:38
